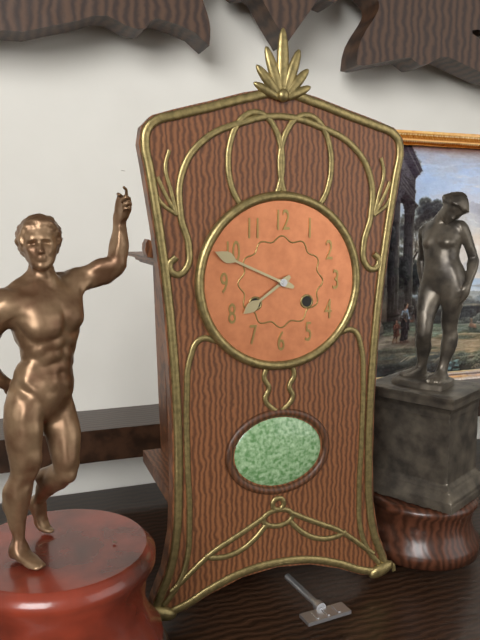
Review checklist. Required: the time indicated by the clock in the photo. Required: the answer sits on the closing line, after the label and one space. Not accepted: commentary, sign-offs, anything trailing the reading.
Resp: 7:49
